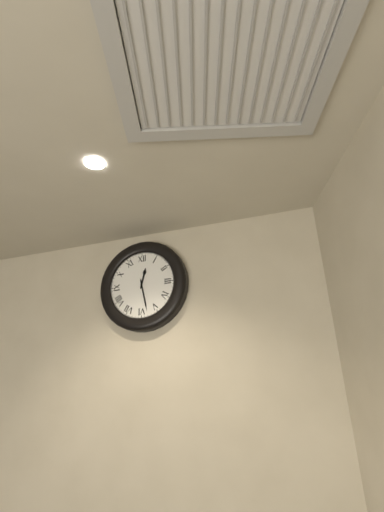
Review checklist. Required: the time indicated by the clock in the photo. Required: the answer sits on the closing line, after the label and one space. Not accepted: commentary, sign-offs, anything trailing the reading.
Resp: 12:28
